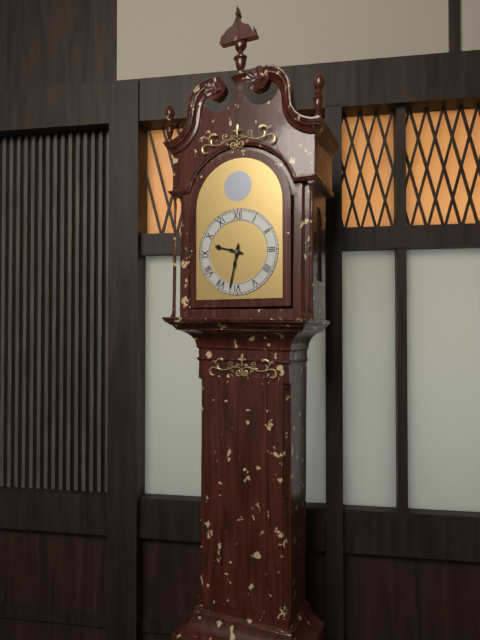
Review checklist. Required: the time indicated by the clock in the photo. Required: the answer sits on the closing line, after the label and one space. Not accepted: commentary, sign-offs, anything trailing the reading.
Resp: 9:32
